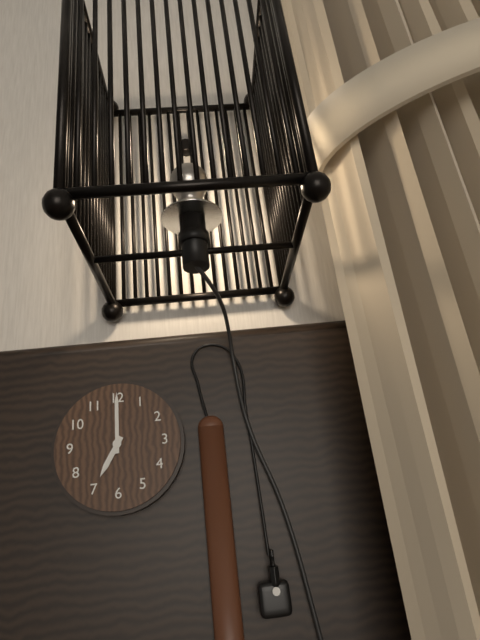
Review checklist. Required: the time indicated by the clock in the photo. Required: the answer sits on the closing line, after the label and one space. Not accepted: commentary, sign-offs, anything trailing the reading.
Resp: 7:00
